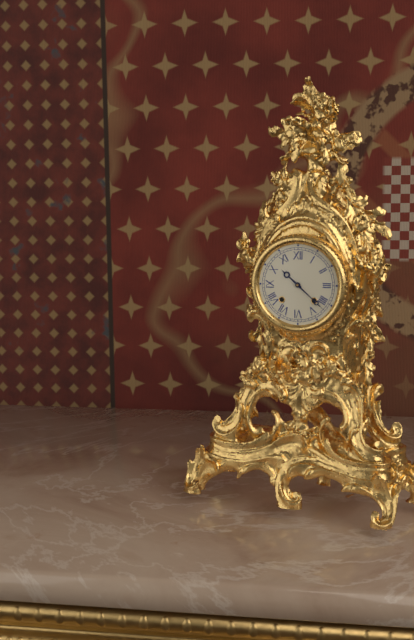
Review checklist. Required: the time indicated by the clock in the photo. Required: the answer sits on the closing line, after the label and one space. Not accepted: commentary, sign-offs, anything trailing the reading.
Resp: 10:22
